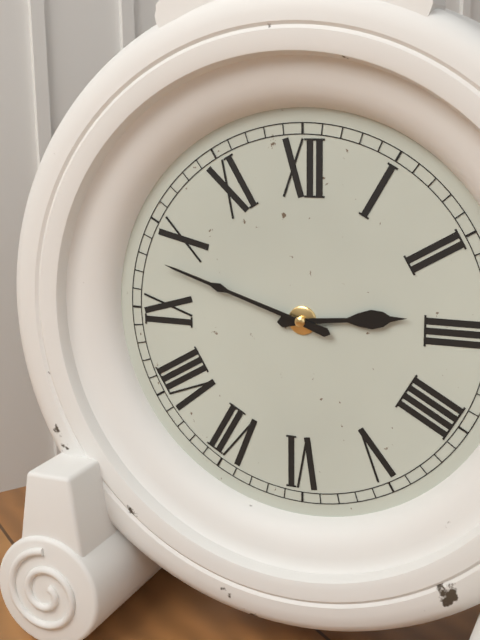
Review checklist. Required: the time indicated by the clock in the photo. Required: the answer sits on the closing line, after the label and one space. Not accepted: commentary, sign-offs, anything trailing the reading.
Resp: 2:48
